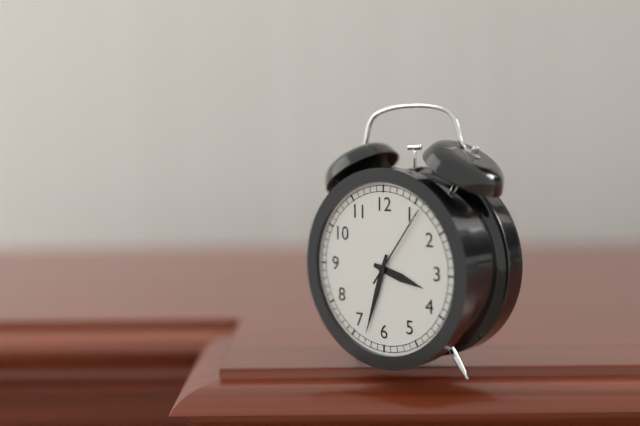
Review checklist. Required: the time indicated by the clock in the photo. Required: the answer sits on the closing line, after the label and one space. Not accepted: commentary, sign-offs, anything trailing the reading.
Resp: 3:33:06
